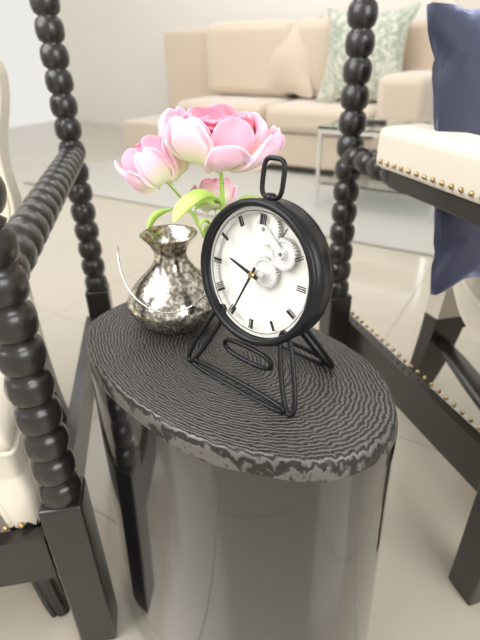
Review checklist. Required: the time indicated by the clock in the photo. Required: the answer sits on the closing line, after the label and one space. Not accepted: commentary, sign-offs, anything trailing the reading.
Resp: 9:34
